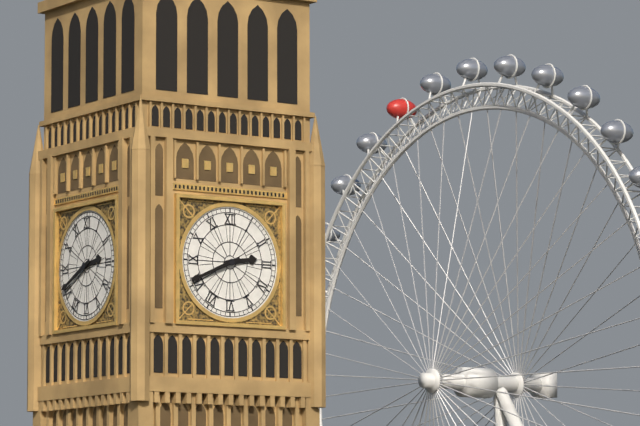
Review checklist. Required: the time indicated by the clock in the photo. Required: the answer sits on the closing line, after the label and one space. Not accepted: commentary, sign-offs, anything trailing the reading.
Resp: 2:41
